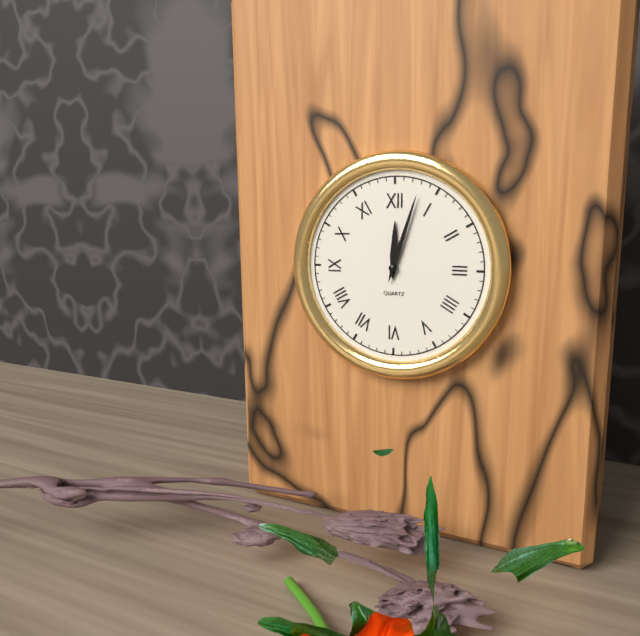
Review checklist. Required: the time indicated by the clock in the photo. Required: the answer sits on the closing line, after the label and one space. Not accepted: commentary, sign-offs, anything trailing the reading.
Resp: 12:03
